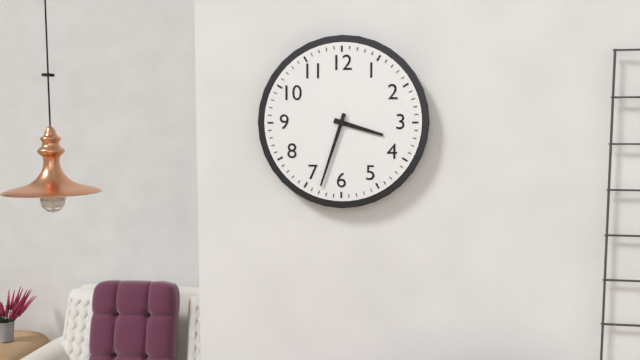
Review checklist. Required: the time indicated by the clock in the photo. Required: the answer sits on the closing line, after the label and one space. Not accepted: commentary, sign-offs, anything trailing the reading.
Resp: 3:33
